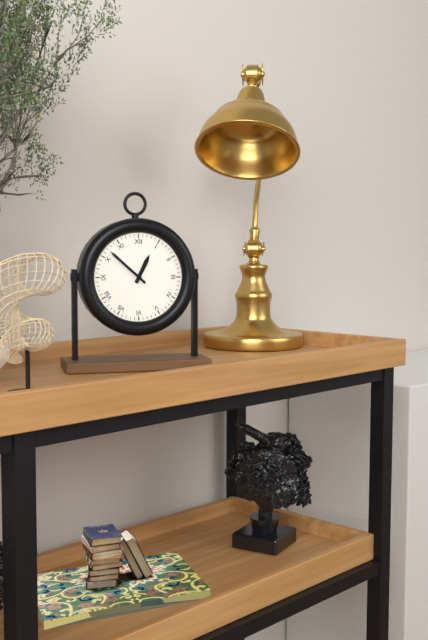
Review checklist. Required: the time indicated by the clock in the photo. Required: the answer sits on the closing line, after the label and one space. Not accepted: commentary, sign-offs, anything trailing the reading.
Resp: 12:52
